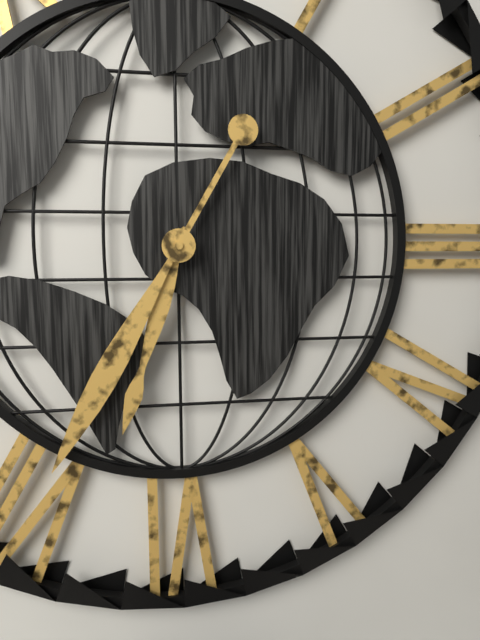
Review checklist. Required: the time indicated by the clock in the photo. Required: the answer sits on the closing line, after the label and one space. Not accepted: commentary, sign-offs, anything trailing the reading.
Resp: 6:35
